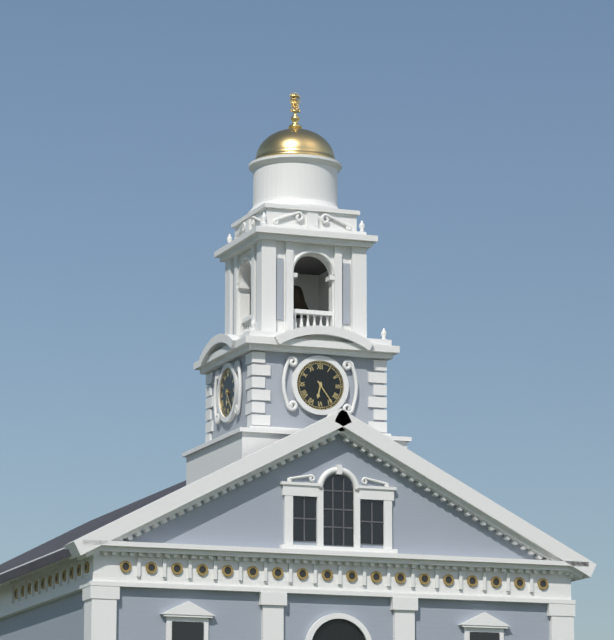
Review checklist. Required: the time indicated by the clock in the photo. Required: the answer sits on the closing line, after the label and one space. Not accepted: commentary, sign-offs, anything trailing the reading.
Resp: 6:24
